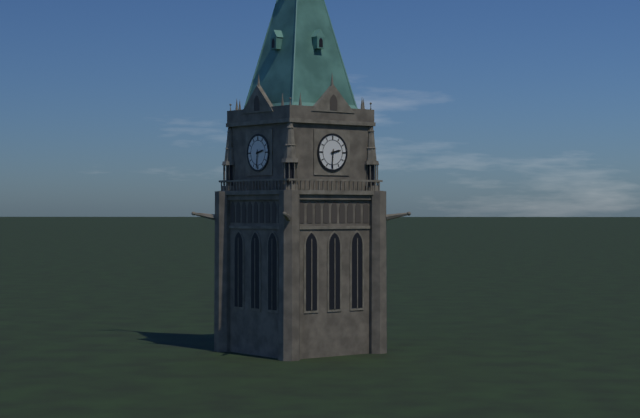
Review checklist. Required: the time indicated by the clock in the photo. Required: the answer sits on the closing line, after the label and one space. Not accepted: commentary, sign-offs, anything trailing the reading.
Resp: 2:31
